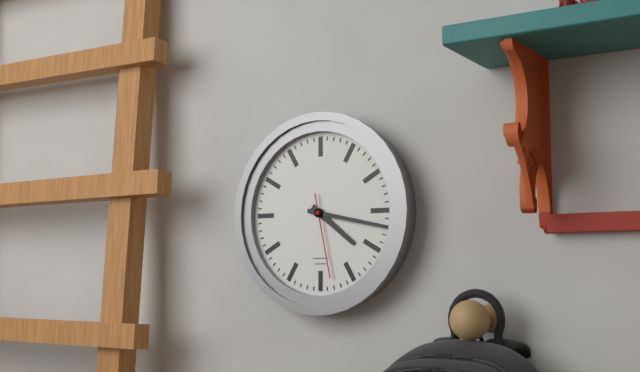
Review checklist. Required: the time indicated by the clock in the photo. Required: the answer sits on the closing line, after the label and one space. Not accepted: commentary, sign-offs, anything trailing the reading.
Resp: 4:17:28
